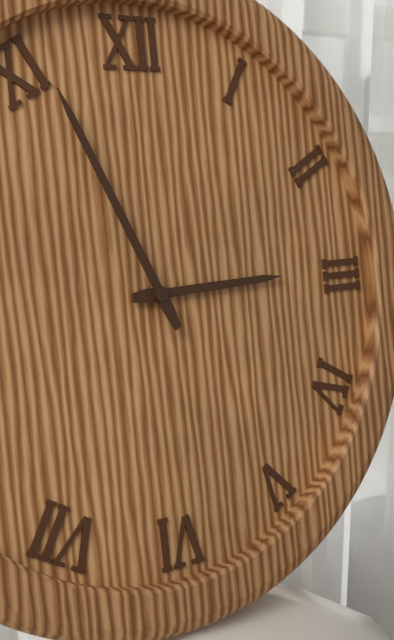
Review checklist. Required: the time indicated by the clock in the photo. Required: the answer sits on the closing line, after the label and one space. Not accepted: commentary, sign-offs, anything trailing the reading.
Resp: 2:56
